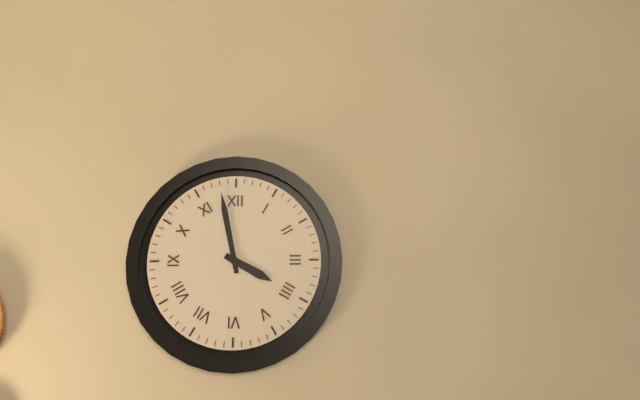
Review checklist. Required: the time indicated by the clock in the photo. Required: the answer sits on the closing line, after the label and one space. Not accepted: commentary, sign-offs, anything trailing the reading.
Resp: 3:58
